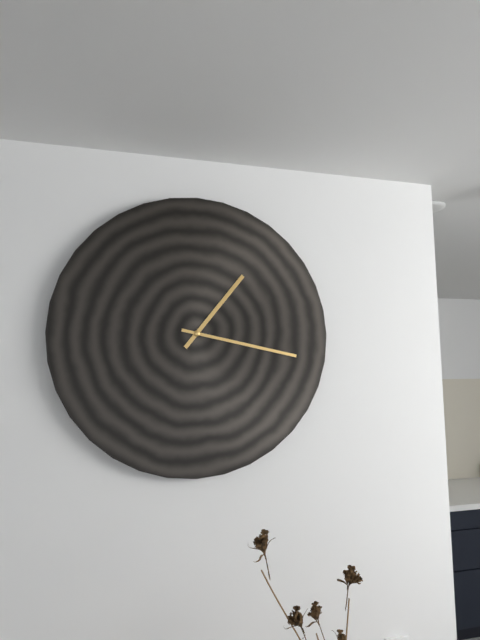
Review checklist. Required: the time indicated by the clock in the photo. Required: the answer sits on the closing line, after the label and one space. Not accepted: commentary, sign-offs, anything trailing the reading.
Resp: 1:17
